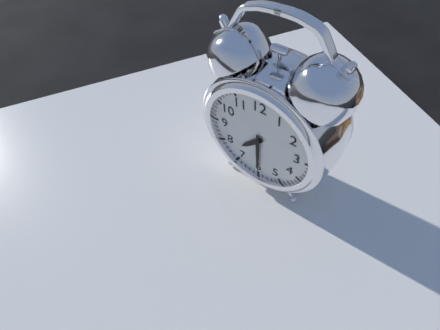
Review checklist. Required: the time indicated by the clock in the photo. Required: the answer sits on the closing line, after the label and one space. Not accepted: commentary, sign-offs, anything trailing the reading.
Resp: 7:30
